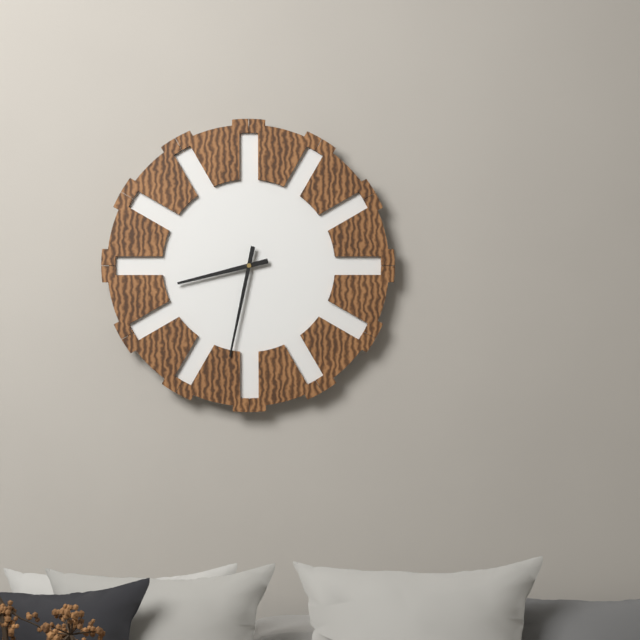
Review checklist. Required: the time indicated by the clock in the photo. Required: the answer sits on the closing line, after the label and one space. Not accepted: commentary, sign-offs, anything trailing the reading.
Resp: 8:32
